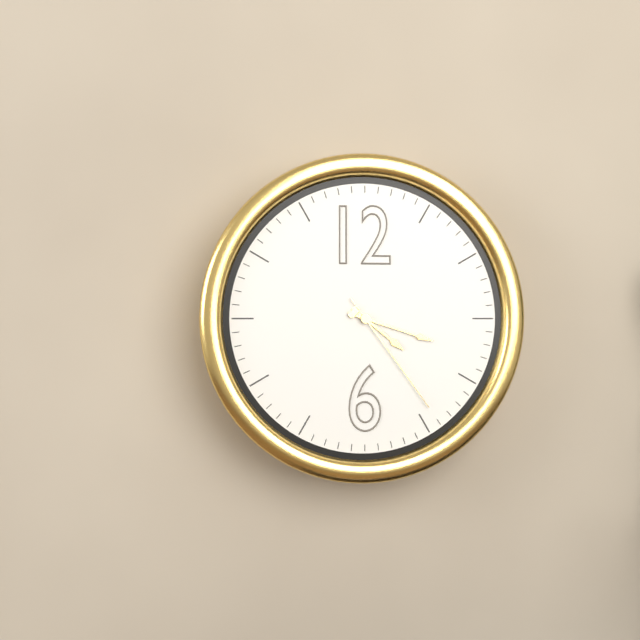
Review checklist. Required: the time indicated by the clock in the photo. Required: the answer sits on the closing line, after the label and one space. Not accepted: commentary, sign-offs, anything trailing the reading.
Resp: 4:18:24
